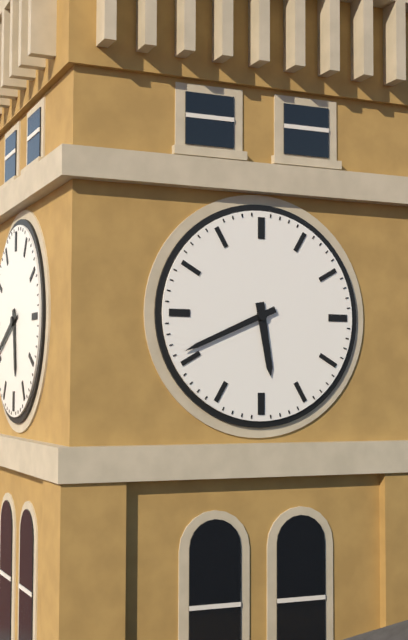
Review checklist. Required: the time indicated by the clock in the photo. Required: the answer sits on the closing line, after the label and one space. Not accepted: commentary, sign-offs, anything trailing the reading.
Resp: 5:41
